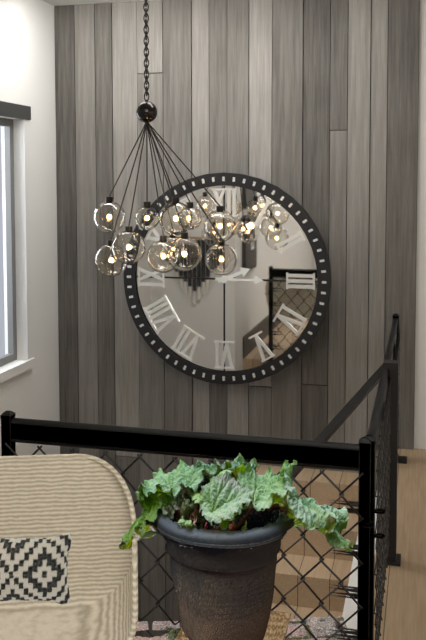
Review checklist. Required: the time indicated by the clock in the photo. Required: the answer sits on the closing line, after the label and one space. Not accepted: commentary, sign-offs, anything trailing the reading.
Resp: 2:15
